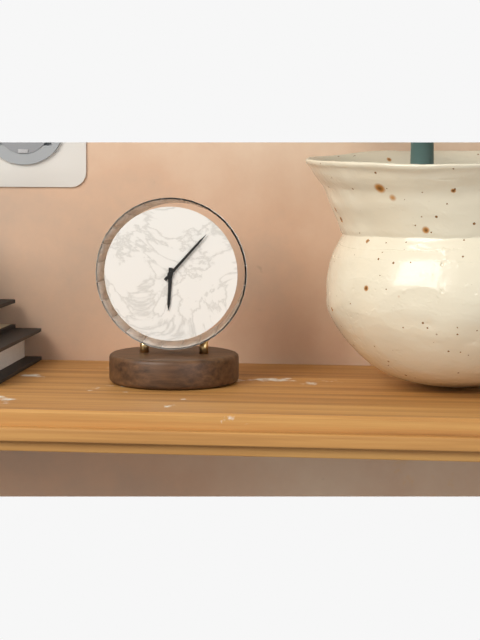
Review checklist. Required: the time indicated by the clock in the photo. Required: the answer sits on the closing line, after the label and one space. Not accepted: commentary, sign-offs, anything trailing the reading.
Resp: 6:07
